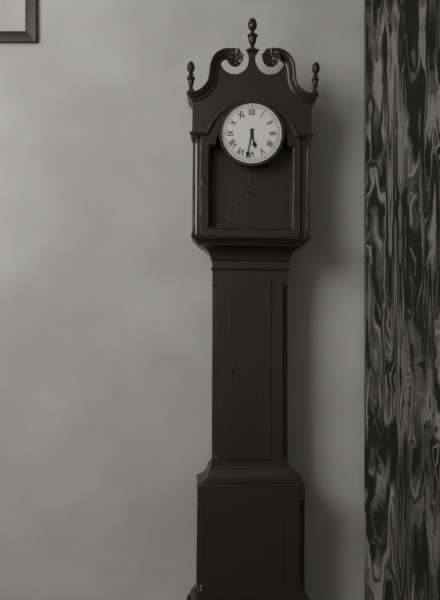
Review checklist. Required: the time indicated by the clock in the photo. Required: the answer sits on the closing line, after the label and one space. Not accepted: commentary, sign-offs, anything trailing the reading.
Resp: 5:32
